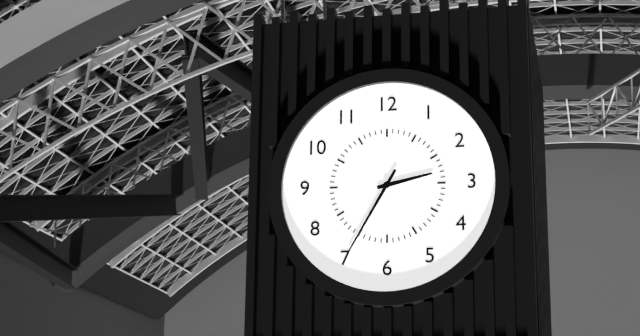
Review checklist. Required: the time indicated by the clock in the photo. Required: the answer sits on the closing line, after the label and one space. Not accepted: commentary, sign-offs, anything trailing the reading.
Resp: 2:35
